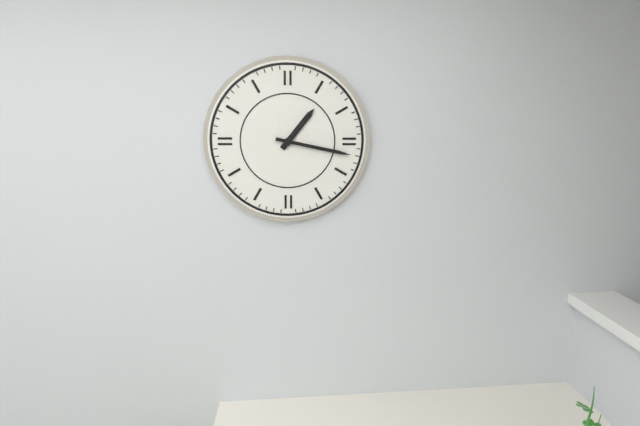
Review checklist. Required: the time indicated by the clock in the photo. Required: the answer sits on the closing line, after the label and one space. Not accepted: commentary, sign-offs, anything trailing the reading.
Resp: 1:17
